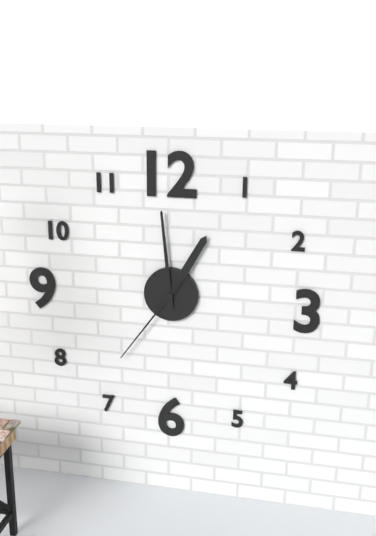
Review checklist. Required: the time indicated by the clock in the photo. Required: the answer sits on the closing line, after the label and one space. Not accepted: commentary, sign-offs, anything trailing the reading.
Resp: 12:59:36
